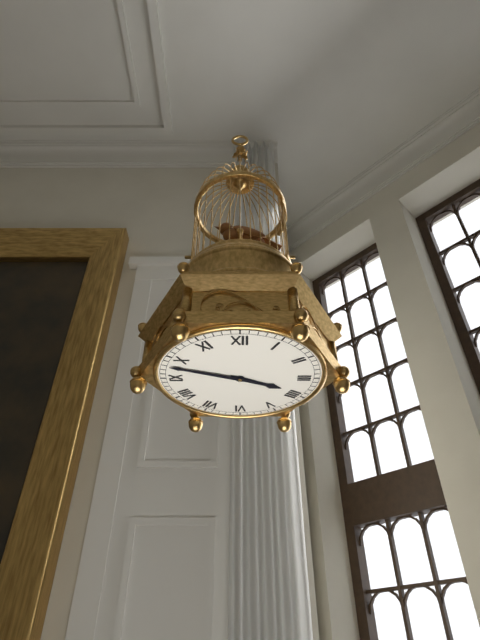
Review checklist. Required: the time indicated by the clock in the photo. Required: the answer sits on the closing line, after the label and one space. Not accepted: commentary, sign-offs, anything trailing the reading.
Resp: 3:48
